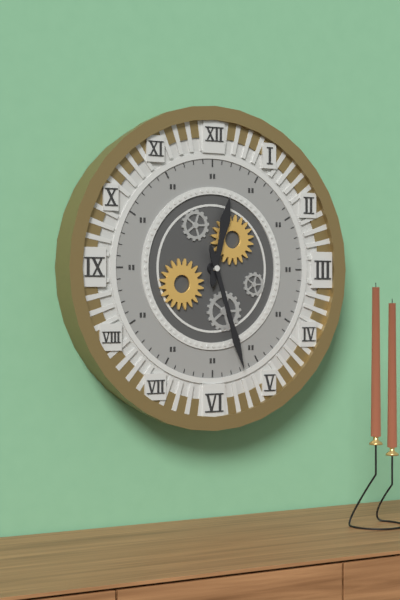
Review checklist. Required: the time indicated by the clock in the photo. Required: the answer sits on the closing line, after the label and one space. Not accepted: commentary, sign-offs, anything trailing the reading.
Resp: 12:27
